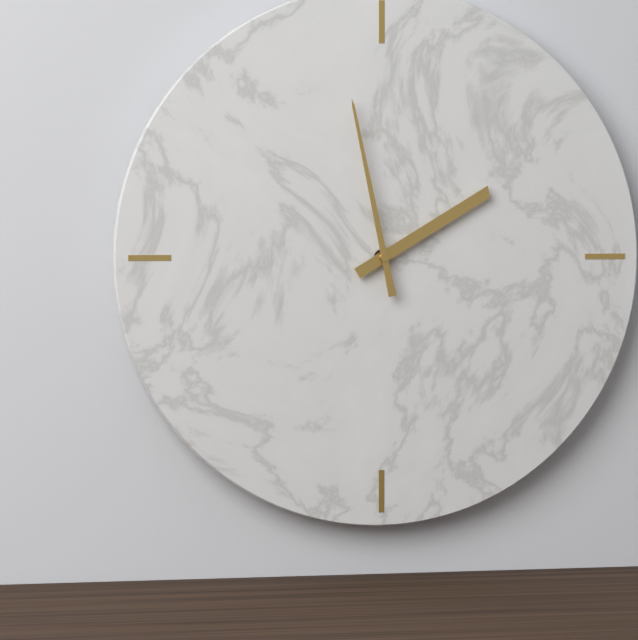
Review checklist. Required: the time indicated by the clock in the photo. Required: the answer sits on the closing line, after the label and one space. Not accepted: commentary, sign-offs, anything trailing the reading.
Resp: 1:58
